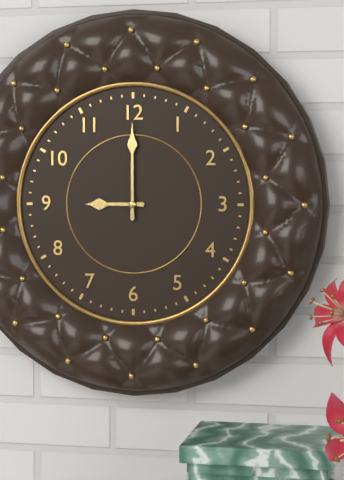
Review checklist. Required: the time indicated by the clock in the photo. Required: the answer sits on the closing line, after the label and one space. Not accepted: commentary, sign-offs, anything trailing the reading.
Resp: 9:00
